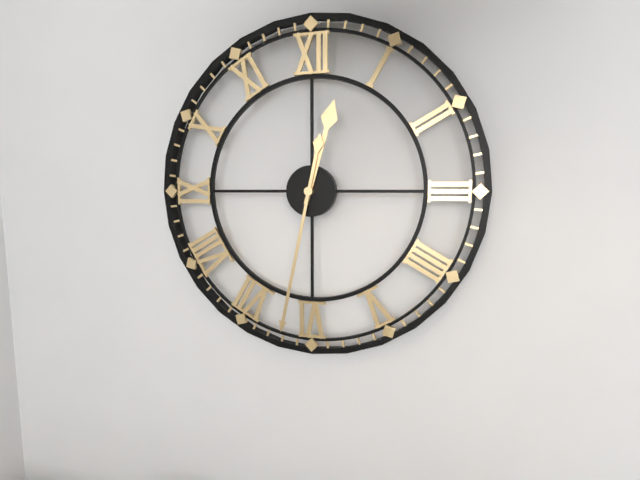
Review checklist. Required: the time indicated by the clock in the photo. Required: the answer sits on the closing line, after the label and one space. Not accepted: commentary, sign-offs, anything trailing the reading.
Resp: 12:32
